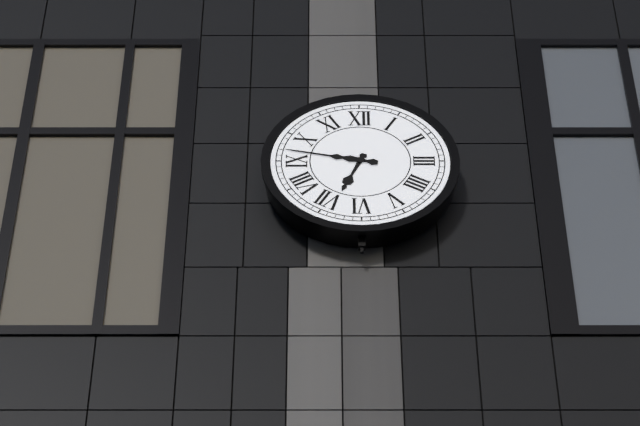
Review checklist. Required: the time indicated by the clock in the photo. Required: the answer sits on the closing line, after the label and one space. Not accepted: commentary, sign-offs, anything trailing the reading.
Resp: 6:47
